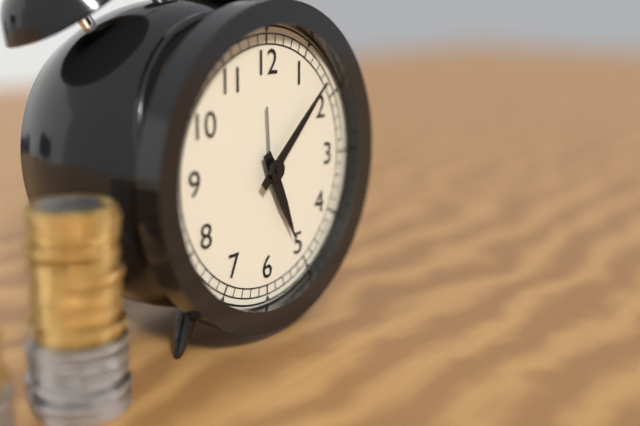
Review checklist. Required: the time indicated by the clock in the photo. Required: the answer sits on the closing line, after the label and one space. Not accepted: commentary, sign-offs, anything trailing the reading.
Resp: 5:08
